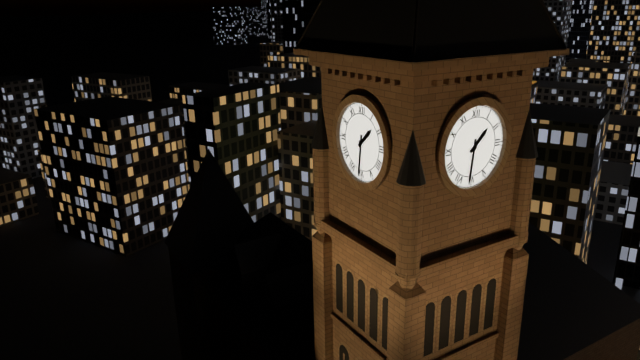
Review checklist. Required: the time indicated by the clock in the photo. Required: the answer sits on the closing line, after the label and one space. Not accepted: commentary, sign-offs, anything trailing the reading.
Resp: 1:31
